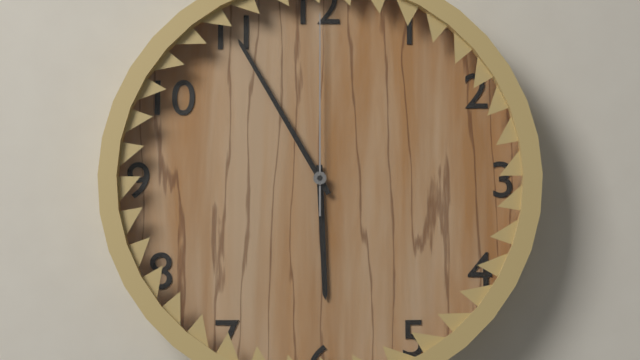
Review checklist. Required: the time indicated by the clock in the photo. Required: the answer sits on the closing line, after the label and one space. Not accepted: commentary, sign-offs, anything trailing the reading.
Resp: 5:55:00
